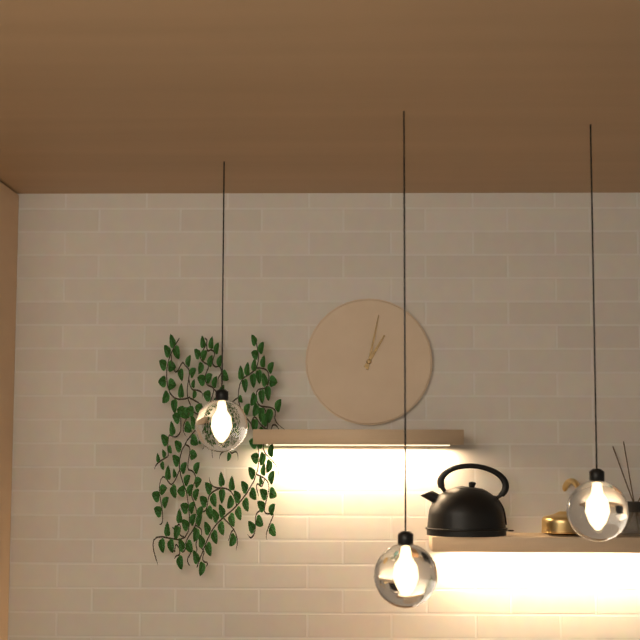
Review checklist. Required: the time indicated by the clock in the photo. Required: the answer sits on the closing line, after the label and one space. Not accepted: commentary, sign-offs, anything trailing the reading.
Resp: 1:02
